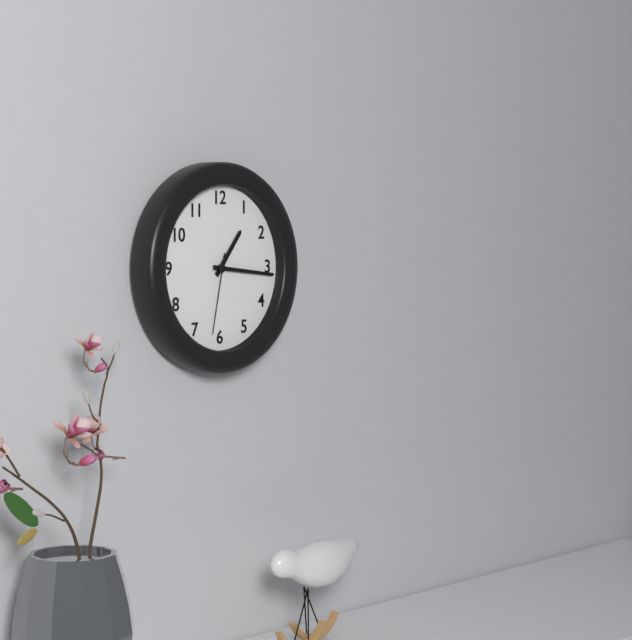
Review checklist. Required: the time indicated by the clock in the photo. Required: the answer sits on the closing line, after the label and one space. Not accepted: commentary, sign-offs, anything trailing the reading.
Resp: 1:16:32
